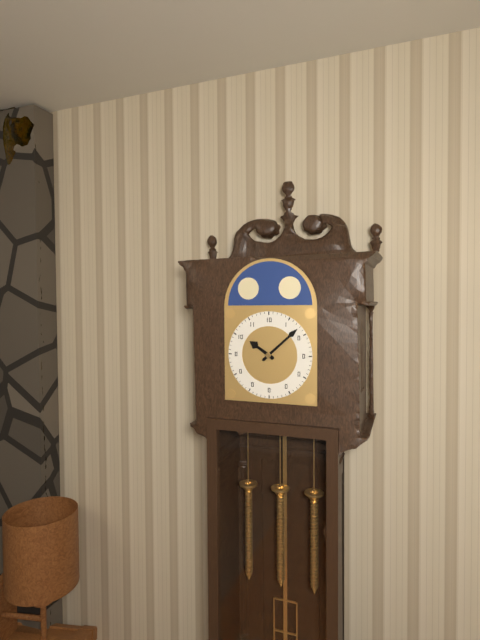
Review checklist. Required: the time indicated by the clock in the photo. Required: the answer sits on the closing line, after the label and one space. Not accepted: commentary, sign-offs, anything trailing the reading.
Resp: 10:08
